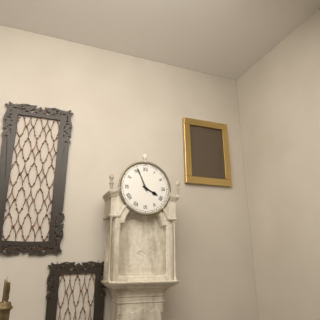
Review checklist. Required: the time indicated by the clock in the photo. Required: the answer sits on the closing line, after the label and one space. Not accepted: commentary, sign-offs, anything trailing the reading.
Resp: 3:56
